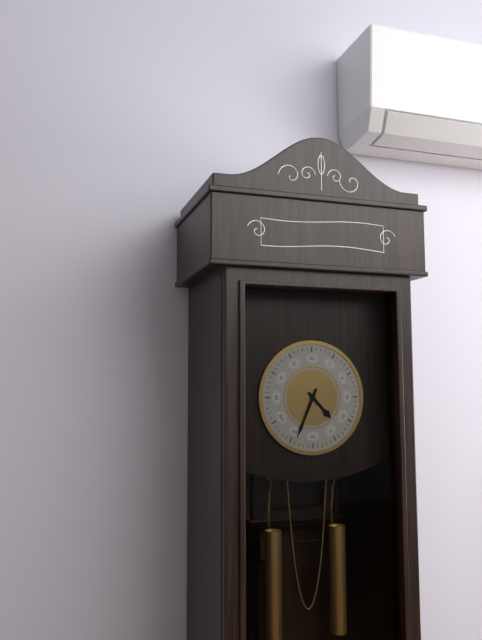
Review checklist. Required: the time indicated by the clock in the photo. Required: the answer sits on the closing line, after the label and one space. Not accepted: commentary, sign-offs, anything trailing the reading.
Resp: 4:34
